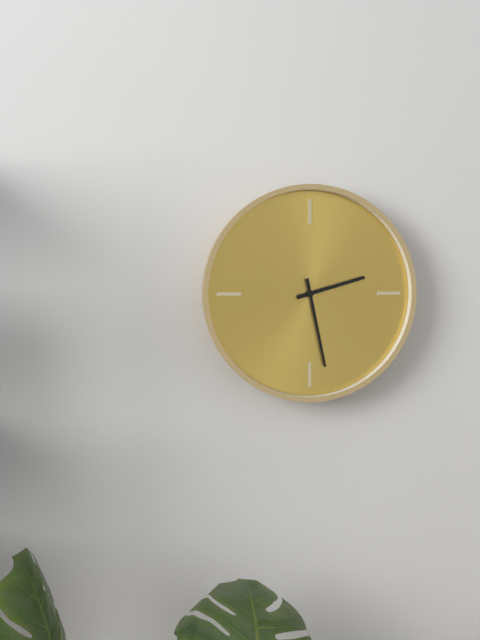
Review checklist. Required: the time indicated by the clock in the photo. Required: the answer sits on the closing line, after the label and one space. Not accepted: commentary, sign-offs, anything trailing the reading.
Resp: 2:28
